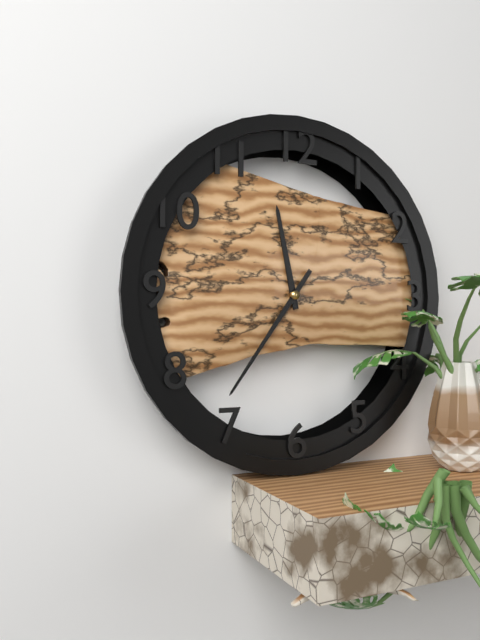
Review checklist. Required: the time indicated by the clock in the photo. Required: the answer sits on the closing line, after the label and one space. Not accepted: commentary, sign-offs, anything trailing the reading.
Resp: 11:36
